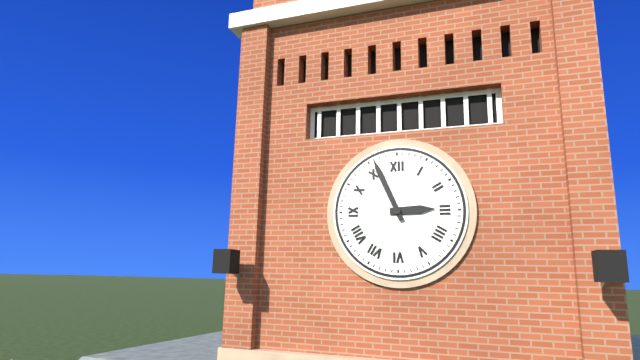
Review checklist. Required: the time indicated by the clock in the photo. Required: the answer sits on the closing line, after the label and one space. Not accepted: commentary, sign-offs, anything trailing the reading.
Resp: 2:56
